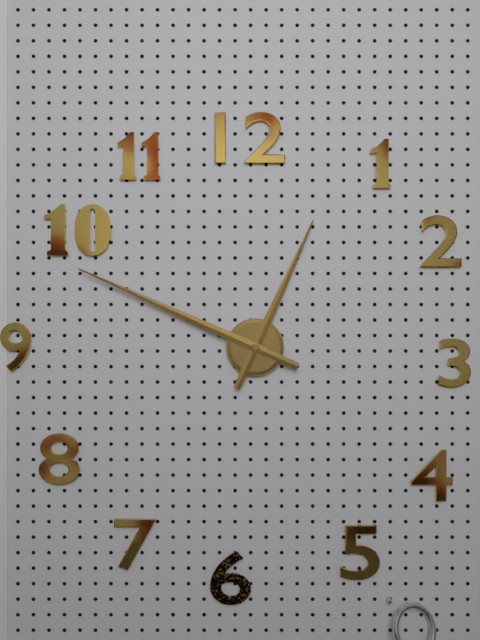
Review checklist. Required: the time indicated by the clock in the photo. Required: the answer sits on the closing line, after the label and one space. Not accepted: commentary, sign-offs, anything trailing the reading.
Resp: 12:49
